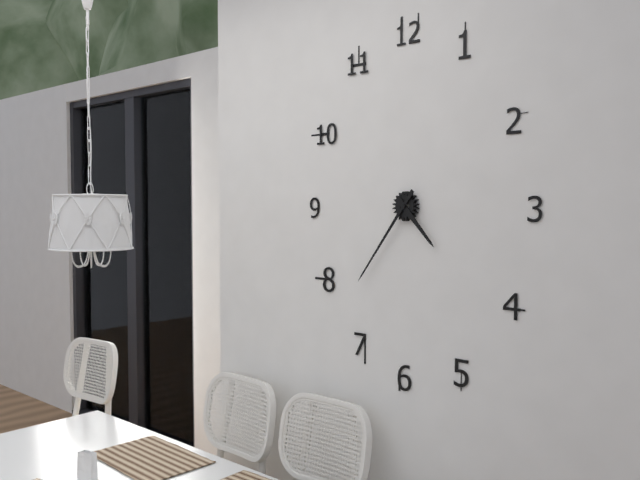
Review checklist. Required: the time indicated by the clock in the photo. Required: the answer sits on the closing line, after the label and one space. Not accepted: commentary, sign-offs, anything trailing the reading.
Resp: 4:36
